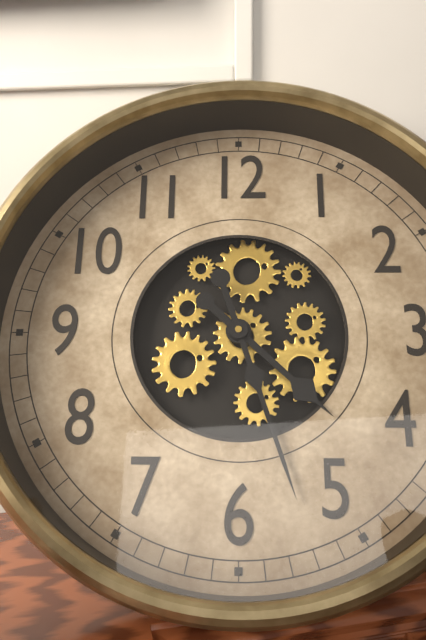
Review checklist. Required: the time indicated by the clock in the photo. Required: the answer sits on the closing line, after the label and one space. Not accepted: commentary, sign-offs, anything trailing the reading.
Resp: 4:27
